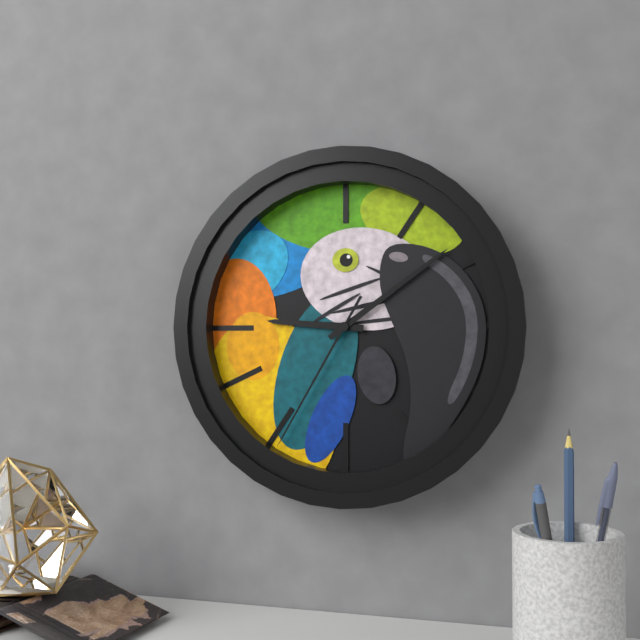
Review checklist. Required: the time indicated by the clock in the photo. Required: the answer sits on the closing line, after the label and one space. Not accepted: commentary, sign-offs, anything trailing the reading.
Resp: 9:09:35
